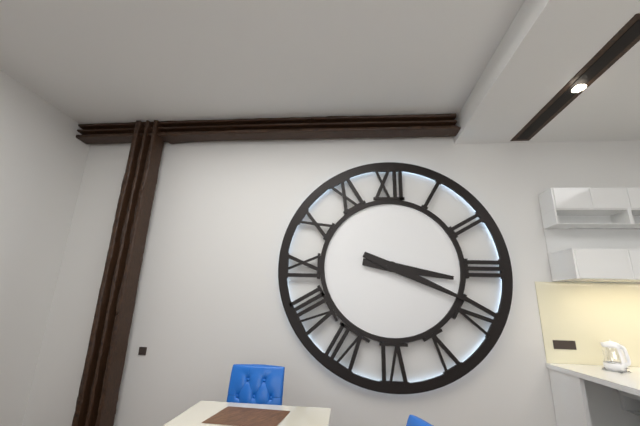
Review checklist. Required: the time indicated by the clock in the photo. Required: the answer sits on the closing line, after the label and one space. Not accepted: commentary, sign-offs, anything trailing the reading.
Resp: 3:19
